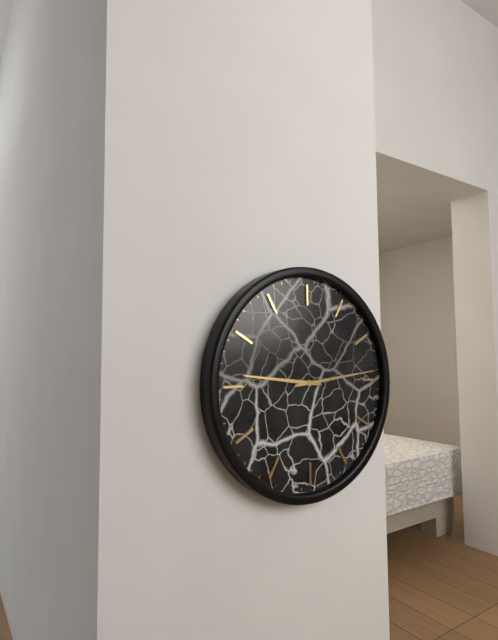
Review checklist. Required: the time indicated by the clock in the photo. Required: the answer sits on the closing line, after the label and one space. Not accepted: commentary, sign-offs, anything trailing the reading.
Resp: 9:14
